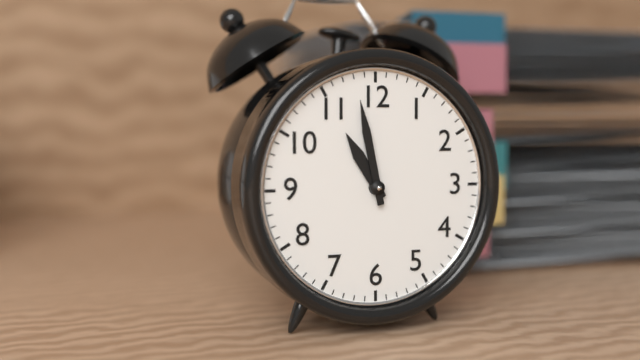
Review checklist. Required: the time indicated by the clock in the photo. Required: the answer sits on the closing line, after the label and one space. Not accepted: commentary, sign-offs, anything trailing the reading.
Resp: 10:58
